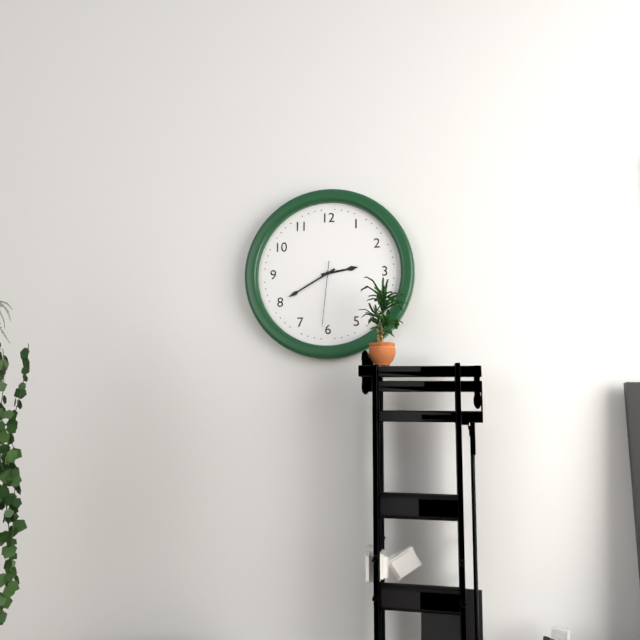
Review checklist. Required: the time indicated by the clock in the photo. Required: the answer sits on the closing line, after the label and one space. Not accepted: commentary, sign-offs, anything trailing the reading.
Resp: 2:40:31
